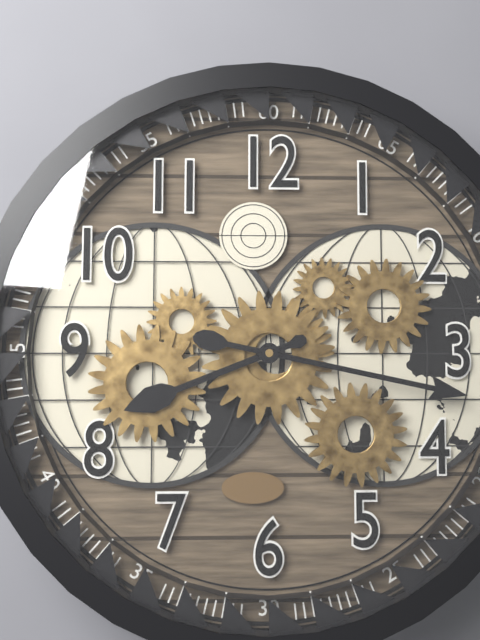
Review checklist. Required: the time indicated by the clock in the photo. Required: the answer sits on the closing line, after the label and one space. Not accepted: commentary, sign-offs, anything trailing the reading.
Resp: 8:17
